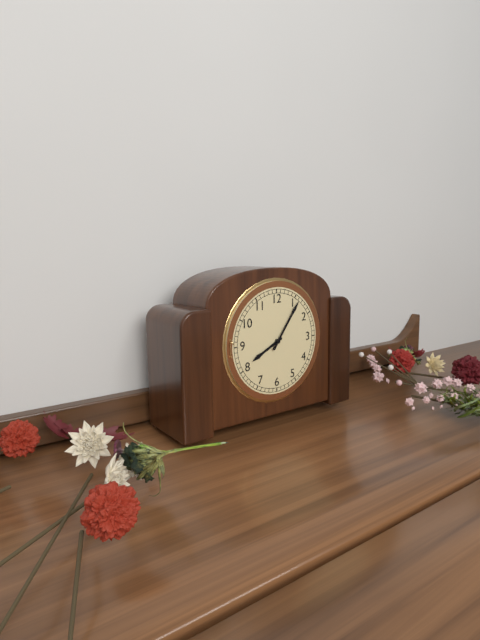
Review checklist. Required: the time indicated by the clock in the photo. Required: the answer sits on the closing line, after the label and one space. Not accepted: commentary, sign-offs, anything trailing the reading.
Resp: 8:06
